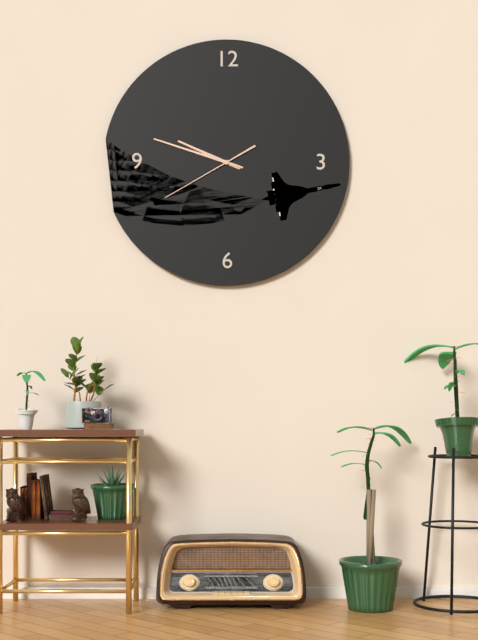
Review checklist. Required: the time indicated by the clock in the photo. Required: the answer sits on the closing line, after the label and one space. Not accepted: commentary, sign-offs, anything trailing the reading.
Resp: 9:48:40
